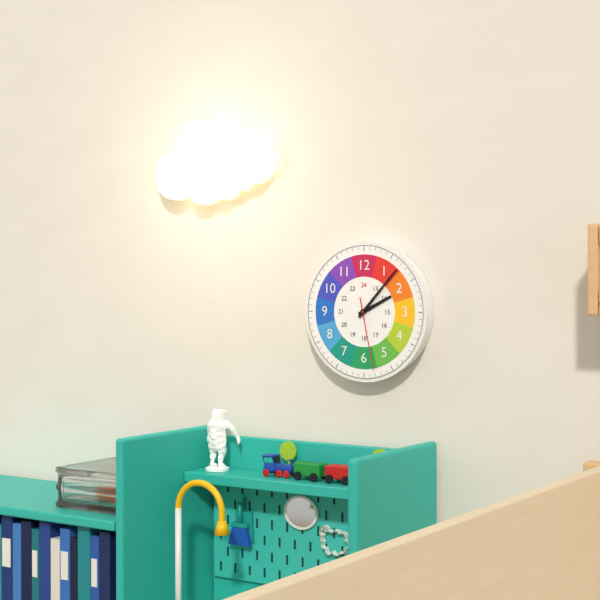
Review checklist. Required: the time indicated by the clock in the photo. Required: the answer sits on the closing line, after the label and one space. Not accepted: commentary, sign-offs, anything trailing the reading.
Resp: 2:07:28
